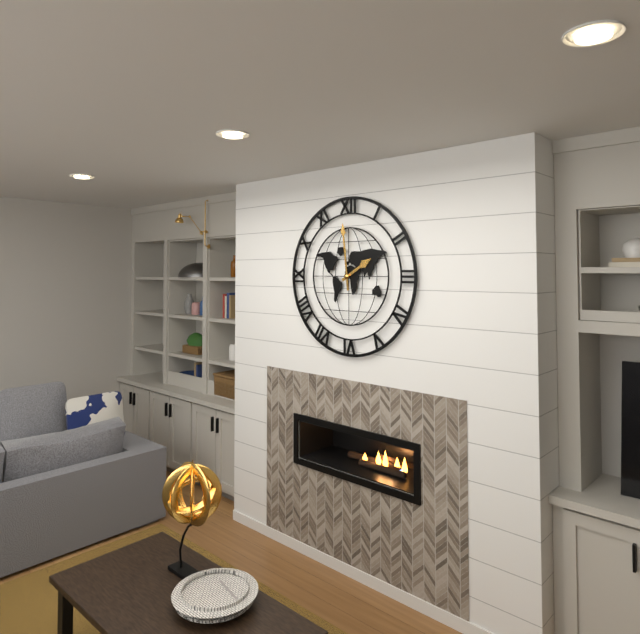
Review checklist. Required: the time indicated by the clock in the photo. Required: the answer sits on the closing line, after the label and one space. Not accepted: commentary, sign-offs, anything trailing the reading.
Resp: 1:59
